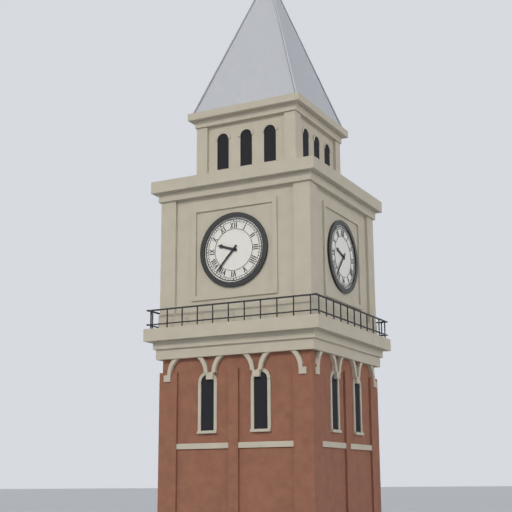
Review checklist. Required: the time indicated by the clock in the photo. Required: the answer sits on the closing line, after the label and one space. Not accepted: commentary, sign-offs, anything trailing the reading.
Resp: 9:37
